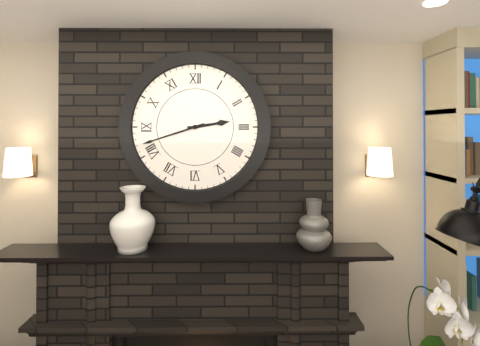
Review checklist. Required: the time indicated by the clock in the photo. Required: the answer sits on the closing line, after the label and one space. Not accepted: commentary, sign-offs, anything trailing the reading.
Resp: 2:42
